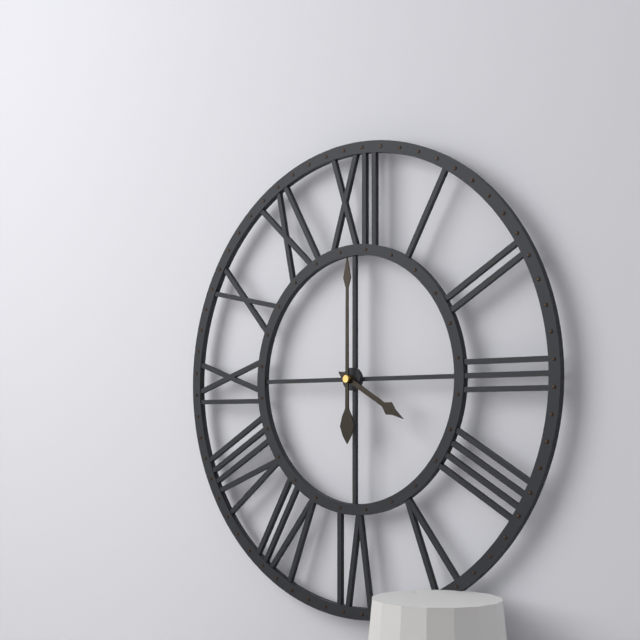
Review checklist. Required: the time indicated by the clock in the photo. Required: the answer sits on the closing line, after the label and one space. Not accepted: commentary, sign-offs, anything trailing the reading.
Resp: 4:00
